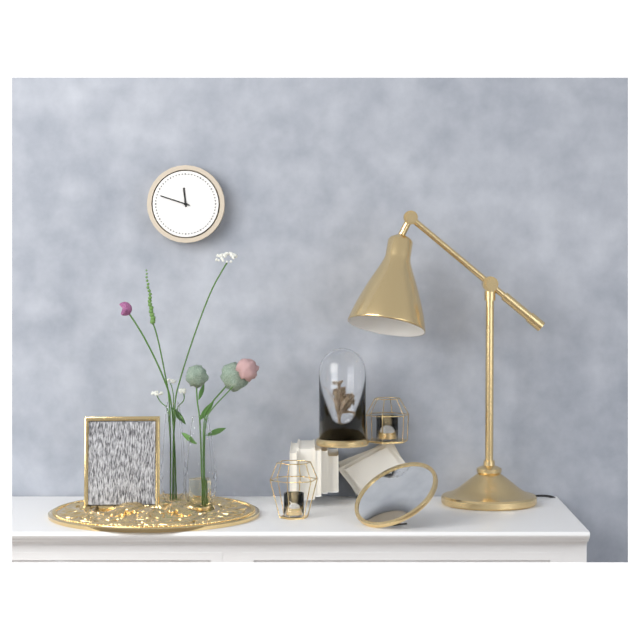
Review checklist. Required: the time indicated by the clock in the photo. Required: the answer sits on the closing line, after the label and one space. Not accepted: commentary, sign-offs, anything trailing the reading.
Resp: 11:48
